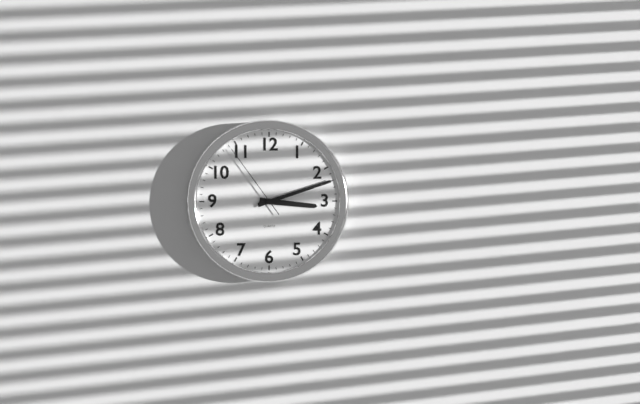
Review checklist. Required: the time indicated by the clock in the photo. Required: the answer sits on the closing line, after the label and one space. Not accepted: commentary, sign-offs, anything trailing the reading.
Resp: 3:12:54
